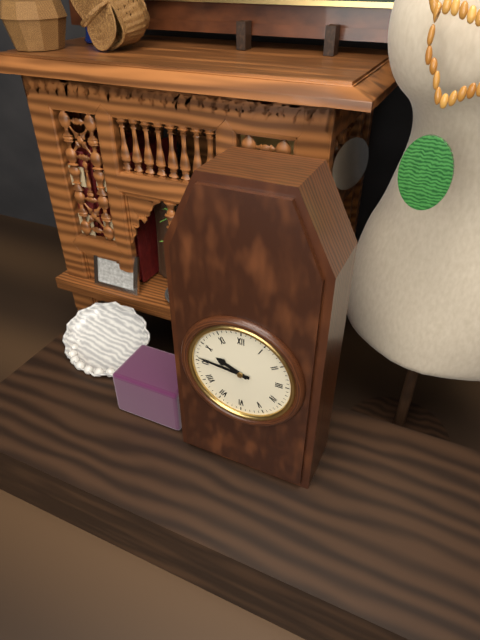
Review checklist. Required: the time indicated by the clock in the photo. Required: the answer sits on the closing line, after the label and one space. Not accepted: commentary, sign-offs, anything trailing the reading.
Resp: 9:46
